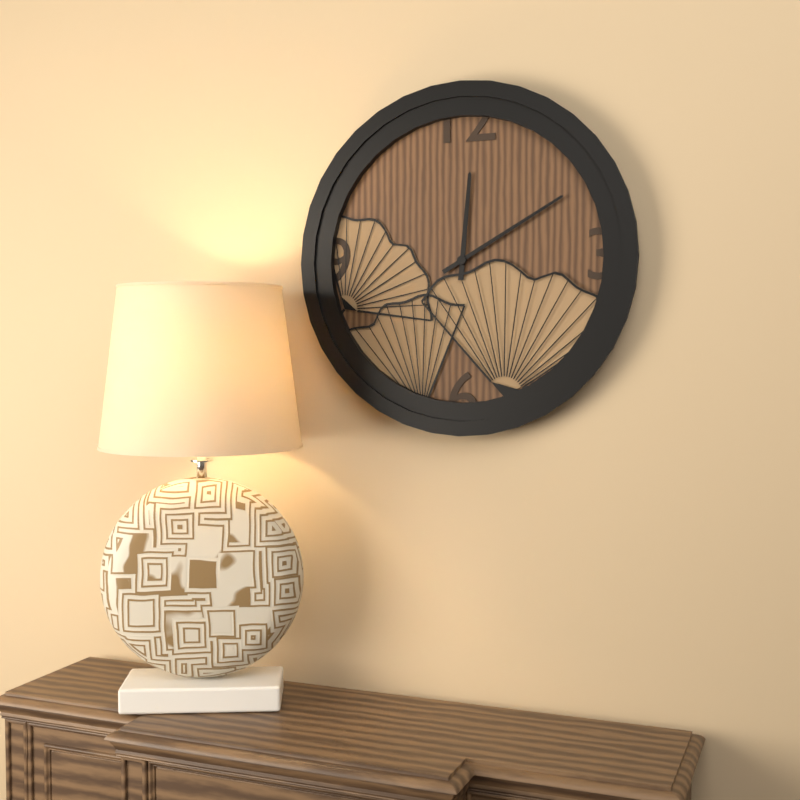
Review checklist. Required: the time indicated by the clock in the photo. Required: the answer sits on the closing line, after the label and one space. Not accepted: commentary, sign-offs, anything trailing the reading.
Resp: 12:10
